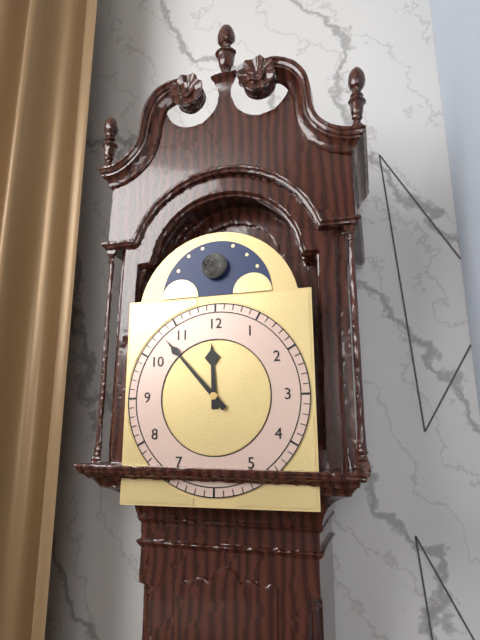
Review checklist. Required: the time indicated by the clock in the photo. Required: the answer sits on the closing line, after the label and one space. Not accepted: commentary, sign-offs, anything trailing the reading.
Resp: 11:53
